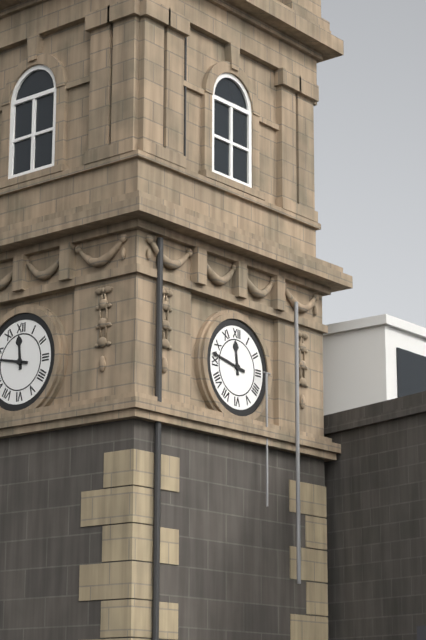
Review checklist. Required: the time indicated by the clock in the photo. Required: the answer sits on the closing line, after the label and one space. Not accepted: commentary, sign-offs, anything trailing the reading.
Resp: 11:47
